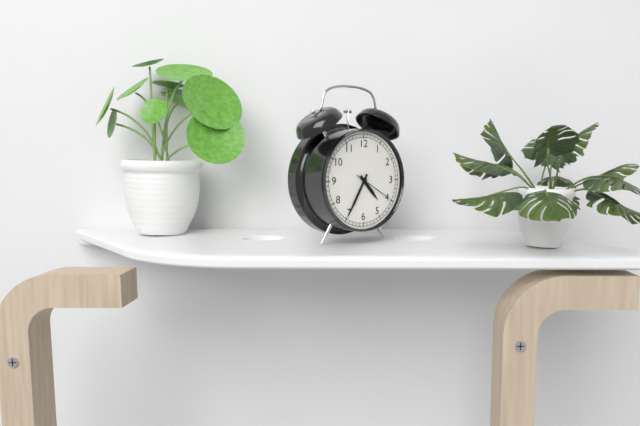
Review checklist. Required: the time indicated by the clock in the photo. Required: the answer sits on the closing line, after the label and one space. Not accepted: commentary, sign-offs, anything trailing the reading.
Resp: 4:35
